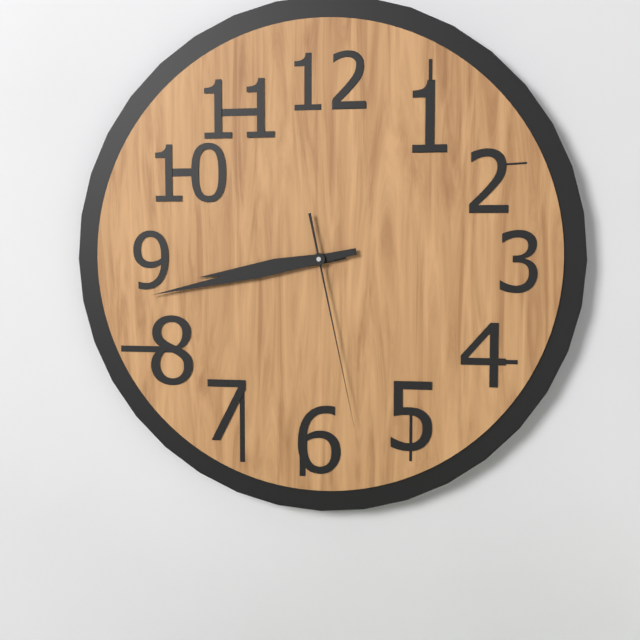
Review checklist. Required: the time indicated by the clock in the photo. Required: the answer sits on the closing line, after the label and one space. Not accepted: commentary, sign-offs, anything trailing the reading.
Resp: 8:43:28
